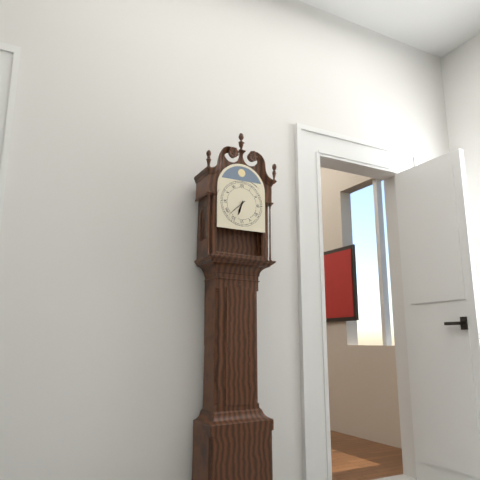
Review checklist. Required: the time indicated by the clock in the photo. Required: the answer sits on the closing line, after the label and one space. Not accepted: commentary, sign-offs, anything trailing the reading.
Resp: 6:38
